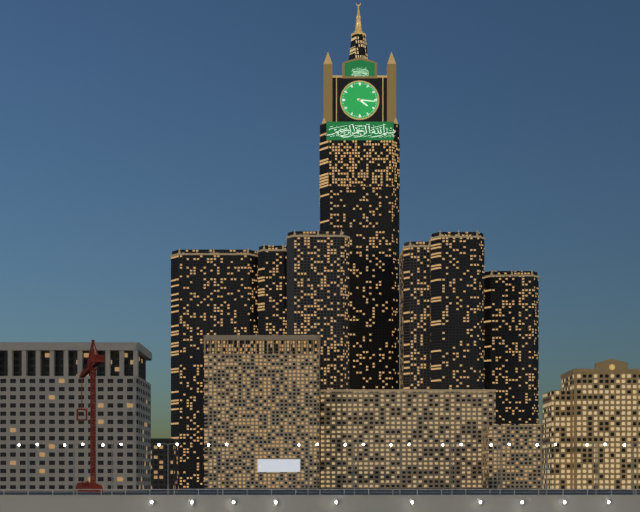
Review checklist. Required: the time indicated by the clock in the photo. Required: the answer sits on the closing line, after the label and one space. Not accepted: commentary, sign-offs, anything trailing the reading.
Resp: 4:16
